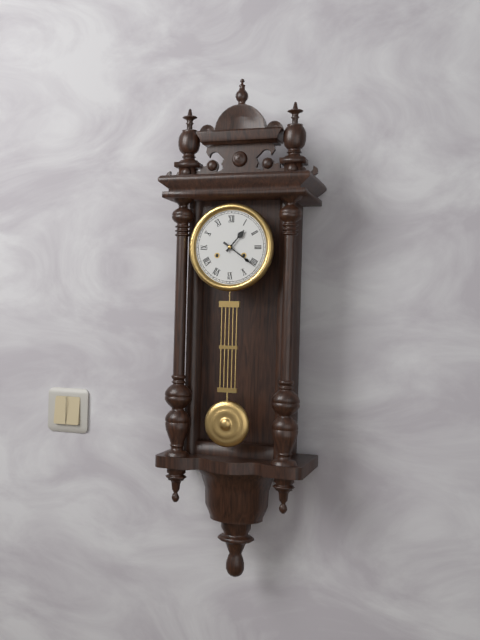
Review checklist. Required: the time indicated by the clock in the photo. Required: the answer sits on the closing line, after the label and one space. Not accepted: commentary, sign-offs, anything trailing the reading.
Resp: 1:21
